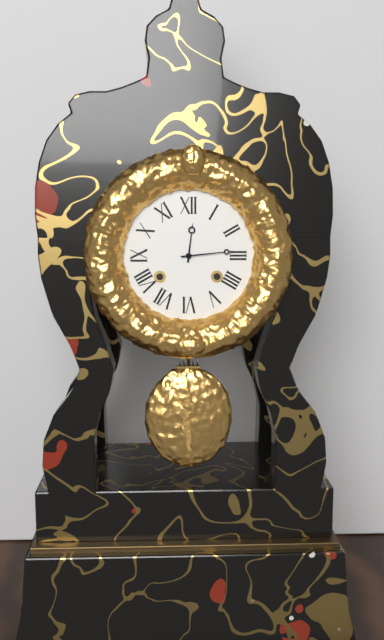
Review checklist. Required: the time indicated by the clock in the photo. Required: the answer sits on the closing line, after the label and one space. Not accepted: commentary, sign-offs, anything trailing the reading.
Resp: 12:14
